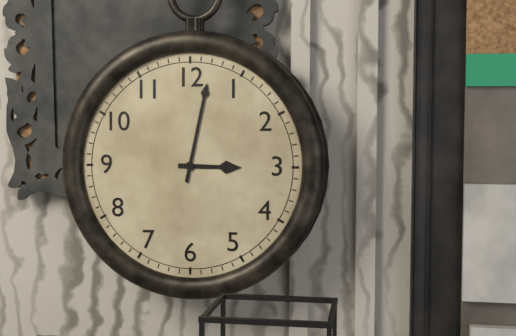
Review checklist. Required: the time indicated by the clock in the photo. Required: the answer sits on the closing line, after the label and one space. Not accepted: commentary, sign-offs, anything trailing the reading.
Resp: 3:02
